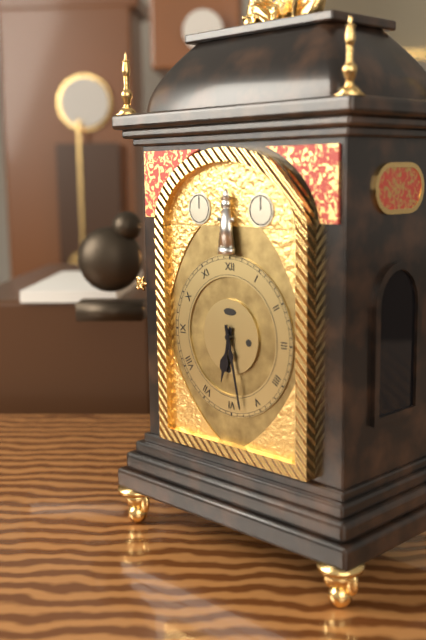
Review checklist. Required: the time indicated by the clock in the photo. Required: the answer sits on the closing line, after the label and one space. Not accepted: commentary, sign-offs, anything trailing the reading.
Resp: 6:28
